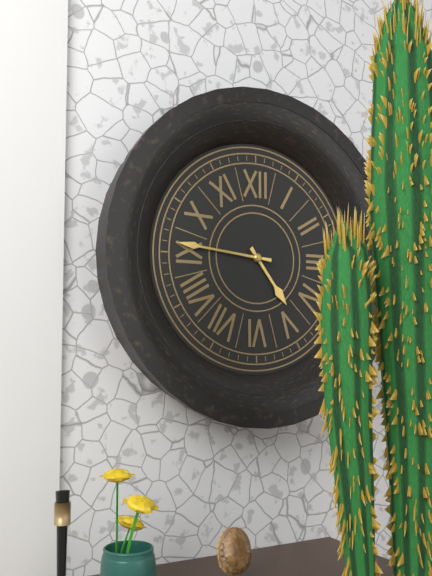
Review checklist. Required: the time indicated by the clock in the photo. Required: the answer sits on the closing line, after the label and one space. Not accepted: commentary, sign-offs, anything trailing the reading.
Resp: 4:46
